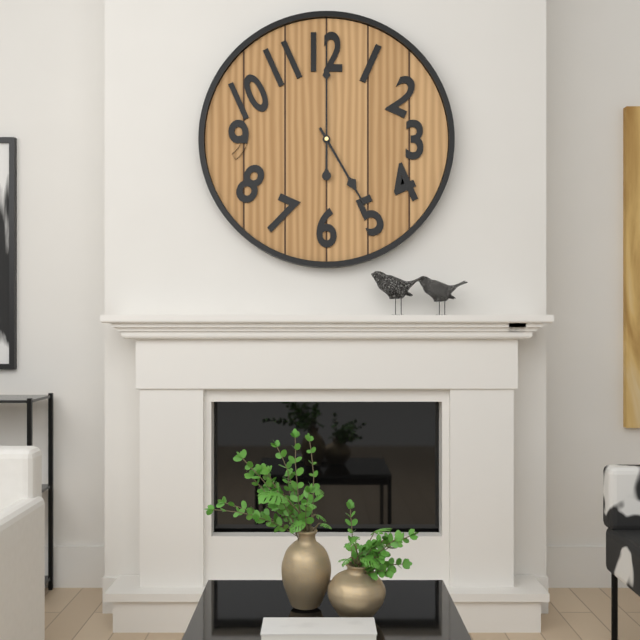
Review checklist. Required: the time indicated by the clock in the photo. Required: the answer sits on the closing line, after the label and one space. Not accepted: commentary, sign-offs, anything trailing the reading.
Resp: 5:00
